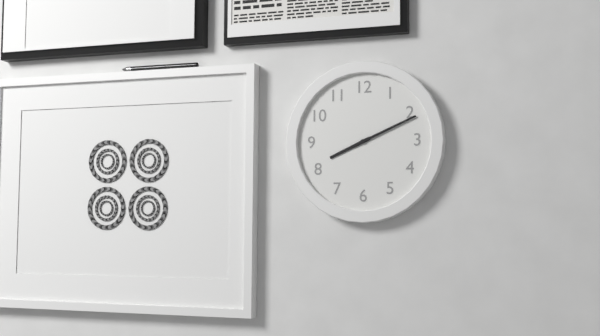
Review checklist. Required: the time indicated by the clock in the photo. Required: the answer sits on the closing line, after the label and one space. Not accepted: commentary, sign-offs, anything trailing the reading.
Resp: 8:11
